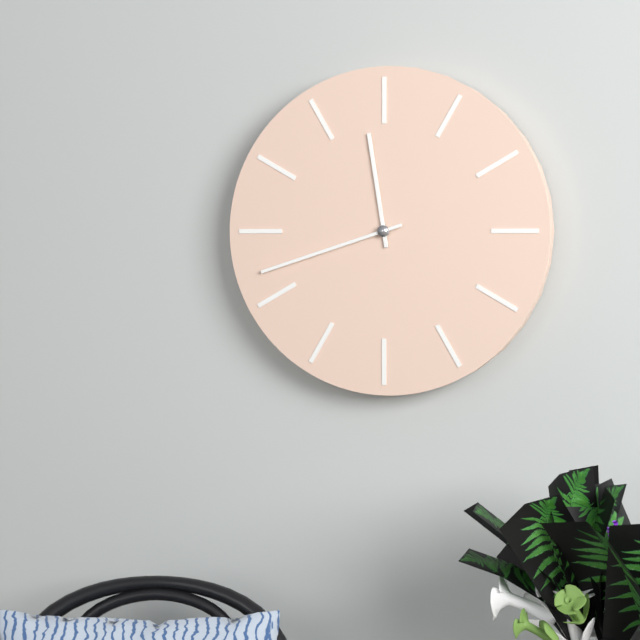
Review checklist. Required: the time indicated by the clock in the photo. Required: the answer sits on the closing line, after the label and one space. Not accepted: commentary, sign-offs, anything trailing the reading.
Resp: 11:42
